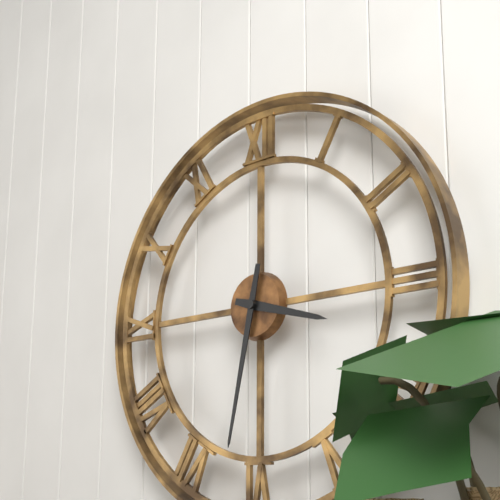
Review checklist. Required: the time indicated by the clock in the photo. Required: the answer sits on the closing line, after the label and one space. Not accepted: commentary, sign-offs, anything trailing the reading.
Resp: 3:32
